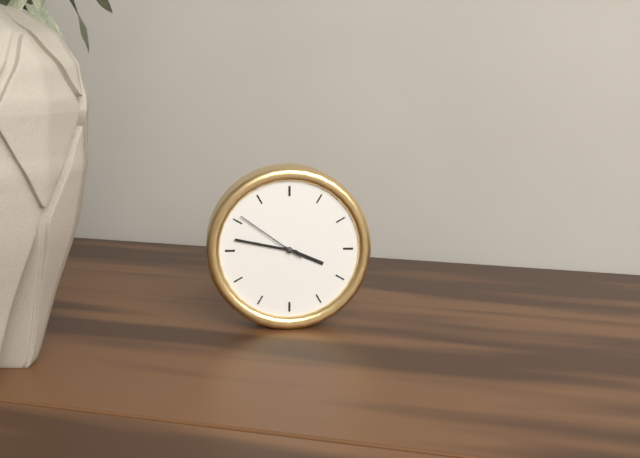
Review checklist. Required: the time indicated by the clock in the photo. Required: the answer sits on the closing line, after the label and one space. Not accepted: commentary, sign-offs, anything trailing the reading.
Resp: 3:47:51
